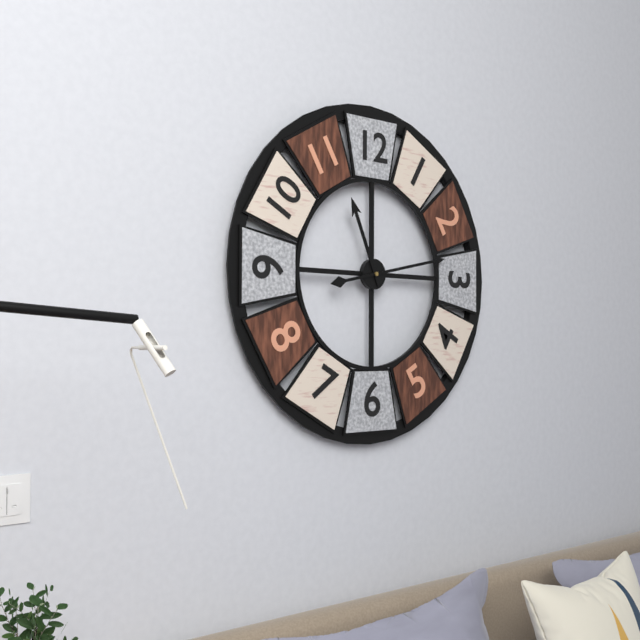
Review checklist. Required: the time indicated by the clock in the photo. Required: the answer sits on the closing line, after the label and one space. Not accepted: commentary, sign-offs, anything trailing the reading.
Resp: 11:13
